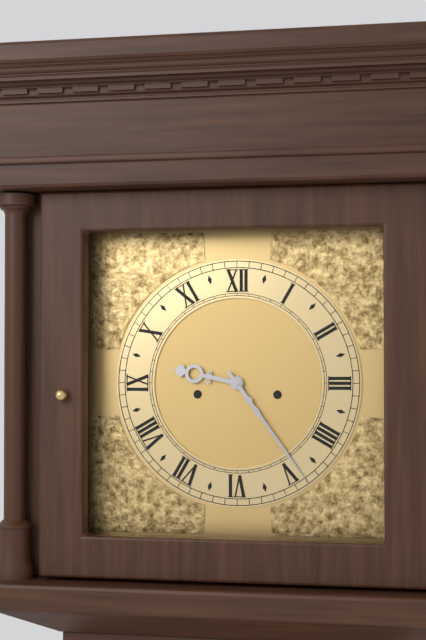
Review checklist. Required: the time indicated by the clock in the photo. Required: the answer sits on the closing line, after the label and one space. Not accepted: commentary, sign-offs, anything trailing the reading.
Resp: 9:24
